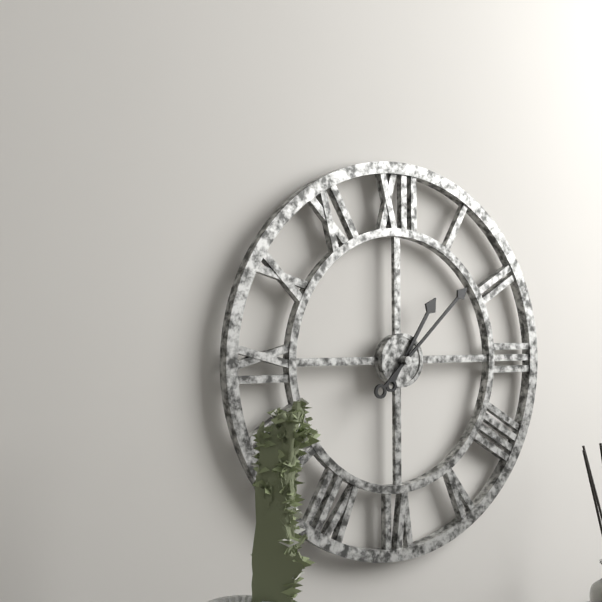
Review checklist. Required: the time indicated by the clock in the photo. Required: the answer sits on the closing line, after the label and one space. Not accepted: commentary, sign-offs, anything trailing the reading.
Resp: 1:08
